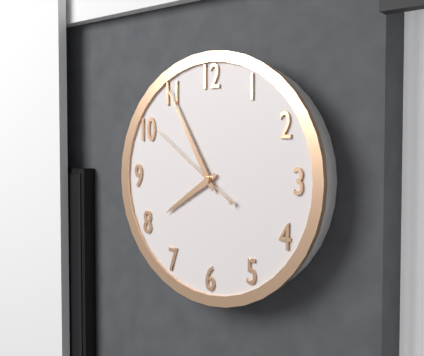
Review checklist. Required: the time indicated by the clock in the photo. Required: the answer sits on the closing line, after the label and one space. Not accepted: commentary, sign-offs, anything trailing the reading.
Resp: 7:55:51
